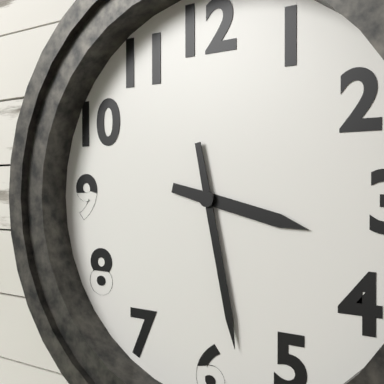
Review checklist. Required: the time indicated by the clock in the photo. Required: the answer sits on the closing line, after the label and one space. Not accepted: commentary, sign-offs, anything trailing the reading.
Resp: 3:28
